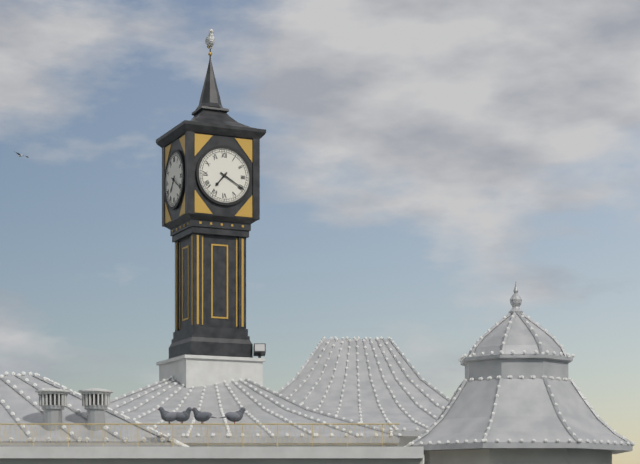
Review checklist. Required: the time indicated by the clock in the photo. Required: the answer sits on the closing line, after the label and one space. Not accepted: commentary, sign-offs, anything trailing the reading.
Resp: 7:20
